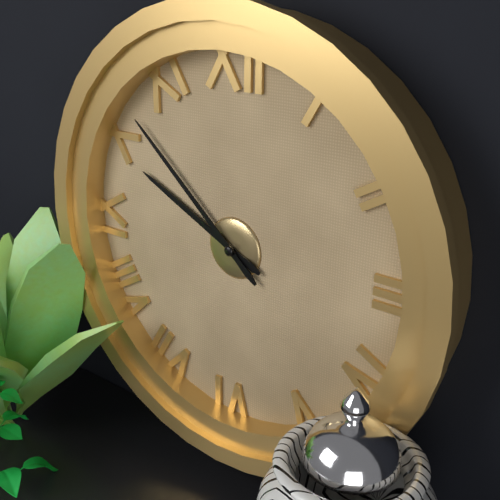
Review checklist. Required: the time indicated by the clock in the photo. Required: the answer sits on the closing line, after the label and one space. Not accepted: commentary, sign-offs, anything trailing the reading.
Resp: 9:52
